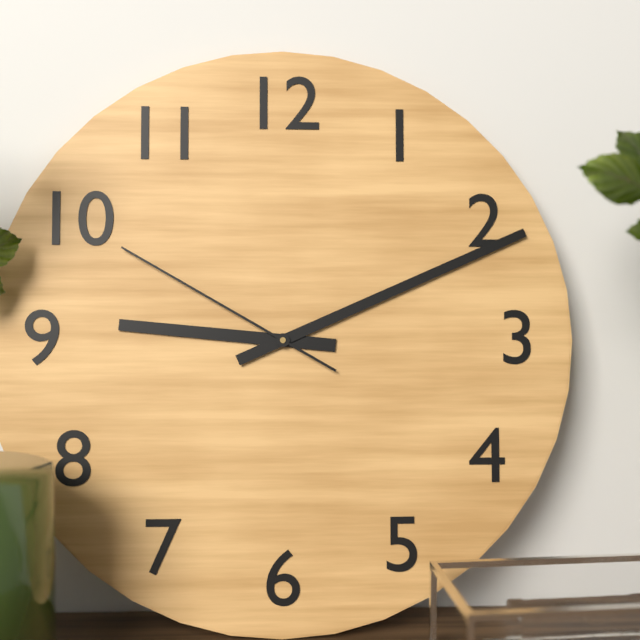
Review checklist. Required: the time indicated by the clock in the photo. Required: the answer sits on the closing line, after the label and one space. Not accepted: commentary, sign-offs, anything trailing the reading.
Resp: 9:11:50
